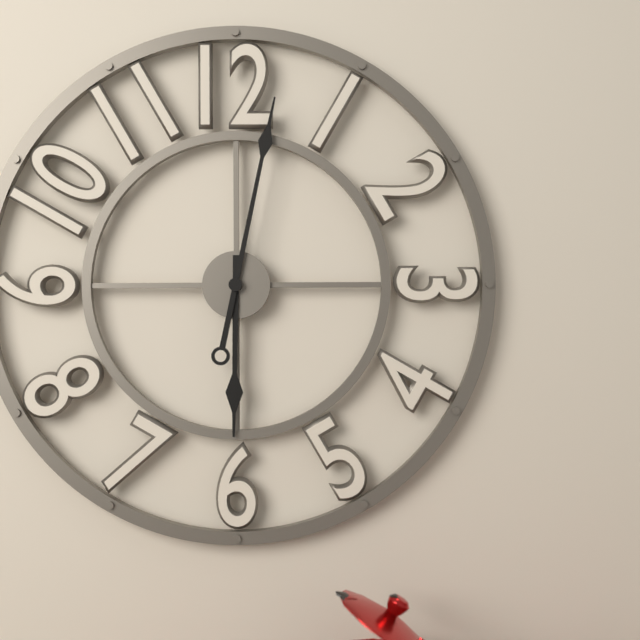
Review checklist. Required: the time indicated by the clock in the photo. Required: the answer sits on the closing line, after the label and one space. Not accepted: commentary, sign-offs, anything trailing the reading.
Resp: 6:02
